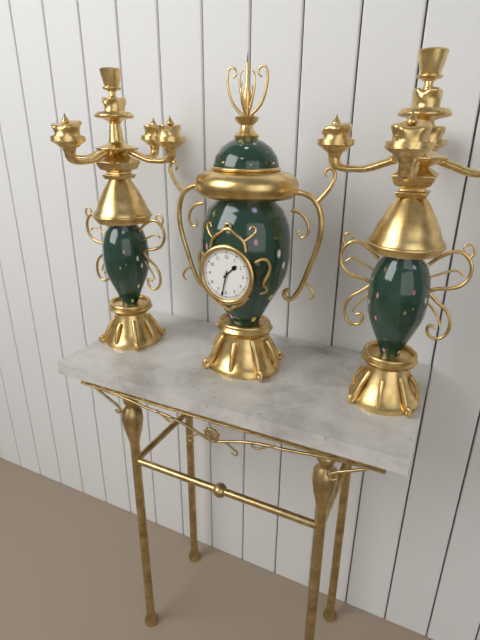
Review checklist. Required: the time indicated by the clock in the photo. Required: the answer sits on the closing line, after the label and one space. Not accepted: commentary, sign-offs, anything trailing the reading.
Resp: 1:32
